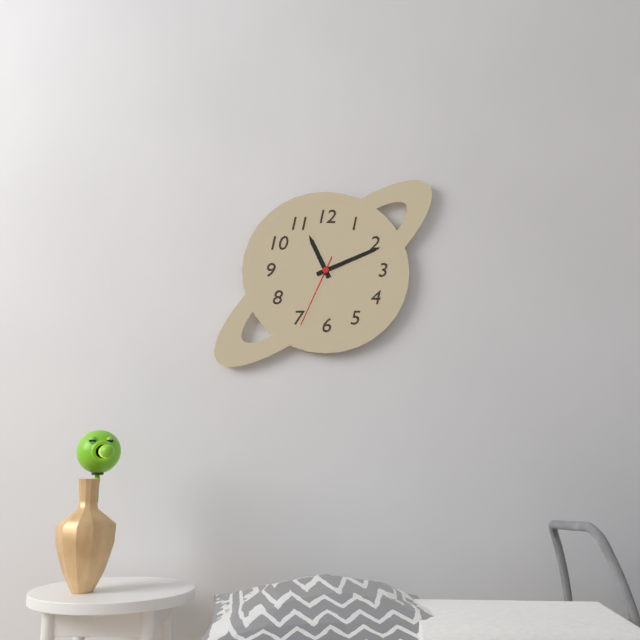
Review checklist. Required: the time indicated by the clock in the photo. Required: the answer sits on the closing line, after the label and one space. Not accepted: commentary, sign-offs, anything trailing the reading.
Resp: 11:11:34
